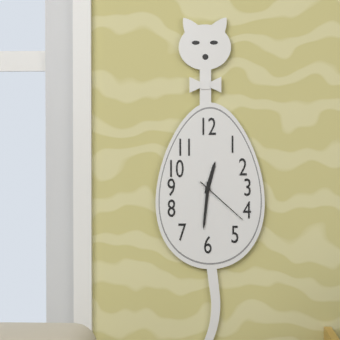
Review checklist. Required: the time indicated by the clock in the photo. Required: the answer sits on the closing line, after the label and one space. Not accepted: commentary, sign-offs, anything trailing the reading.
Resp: 12:31:22
